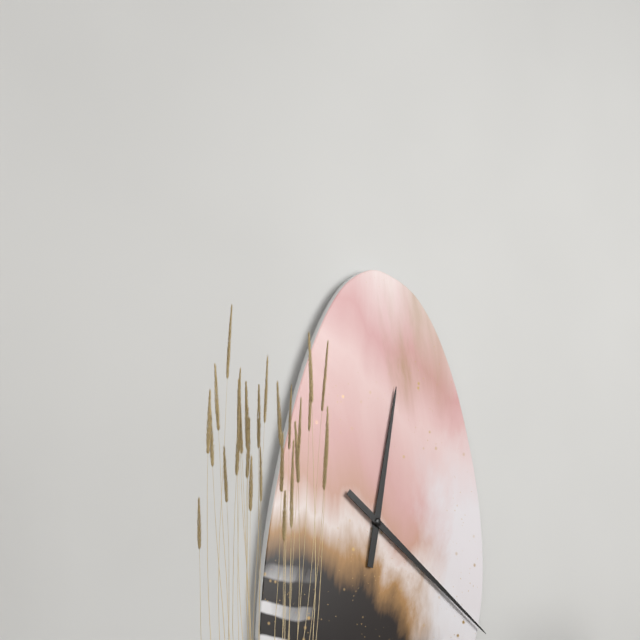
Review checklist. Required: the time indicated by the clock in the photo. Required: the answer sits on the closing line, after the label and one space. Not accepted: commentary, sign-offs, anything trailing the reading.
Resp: 12:21
